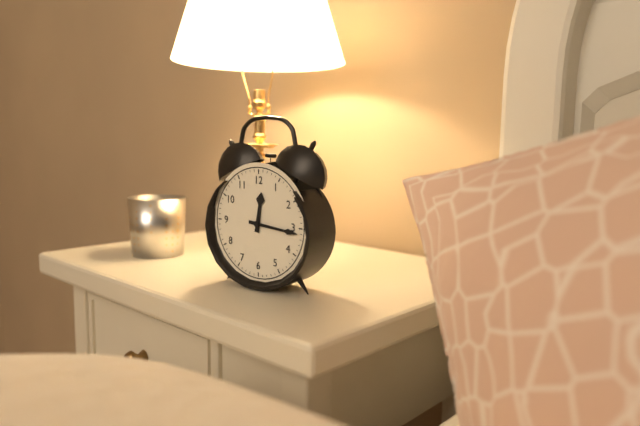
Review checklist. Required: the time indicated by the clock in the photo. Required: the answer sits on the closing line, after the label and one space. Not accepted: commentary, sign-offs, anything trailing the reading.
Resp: 12:16
